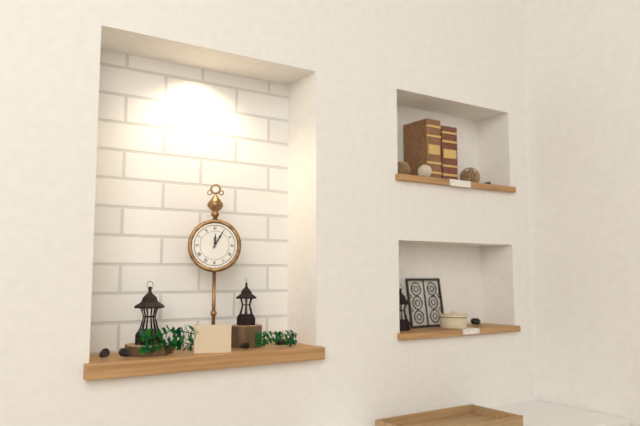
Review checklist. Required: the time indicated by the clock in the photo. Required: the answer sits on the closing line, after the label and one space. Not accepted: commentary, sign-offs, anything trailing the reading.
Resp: 12:05
